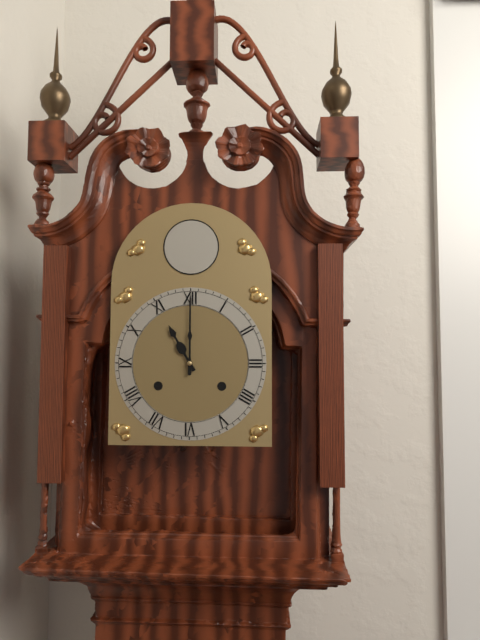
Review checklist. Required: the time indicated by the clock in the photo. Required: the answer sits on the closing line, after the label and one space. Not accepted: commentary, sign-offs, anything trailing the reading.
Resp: 11:00
